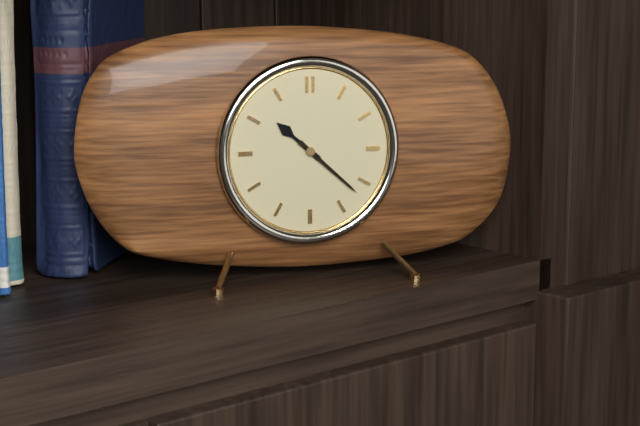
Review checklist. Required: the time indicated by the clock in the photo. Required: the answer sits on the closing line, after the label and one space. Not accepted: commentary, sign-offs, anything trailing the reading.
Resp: 10:22
